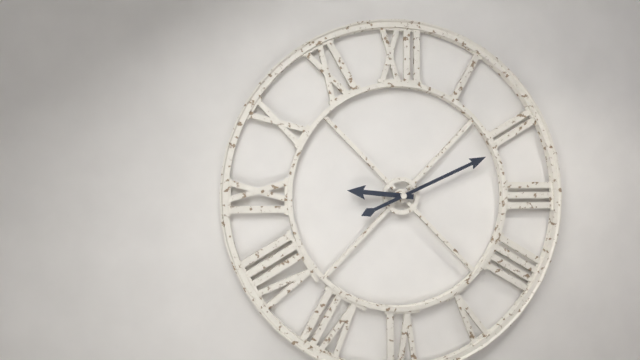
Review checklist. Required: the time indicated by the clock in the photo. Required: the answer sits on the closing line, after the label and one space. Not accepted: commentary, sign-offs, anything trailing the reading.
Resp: 9:11
